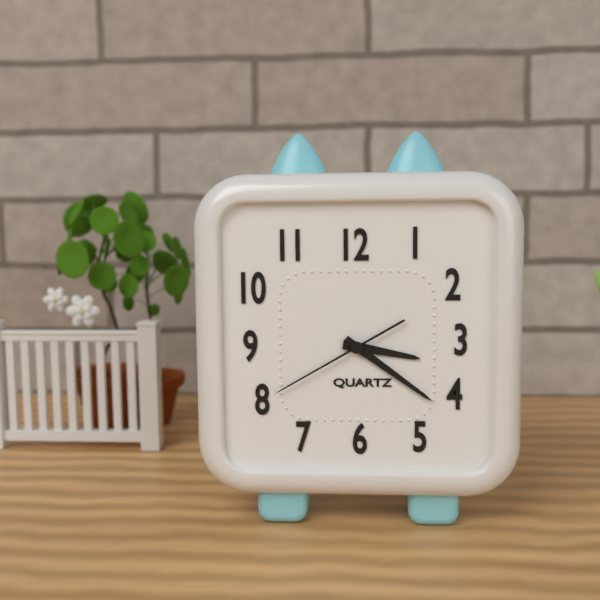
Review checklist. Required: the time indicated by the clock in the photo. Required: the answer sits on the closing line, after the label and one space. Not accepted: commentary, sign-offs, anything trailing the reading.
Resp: 3:21:40
